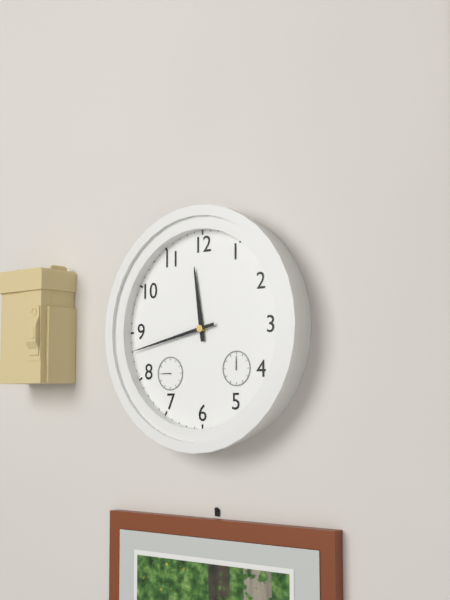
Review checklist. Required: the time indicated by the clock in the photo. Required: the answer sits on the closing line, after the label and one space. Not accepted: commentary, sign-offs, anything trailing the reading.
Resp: 11:43
